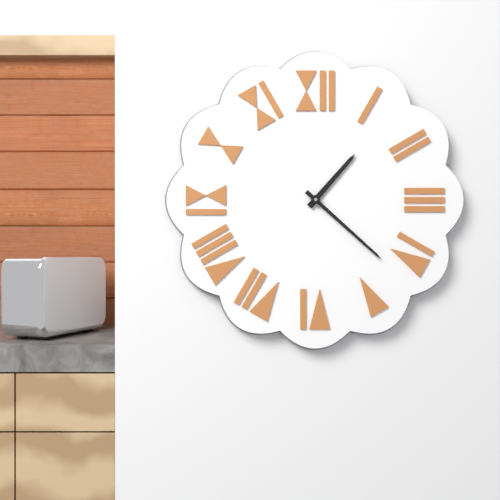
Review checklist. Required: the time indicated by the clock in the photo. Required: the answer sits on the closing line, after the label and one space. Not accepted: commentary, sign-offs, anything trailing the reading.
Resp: 1:22
